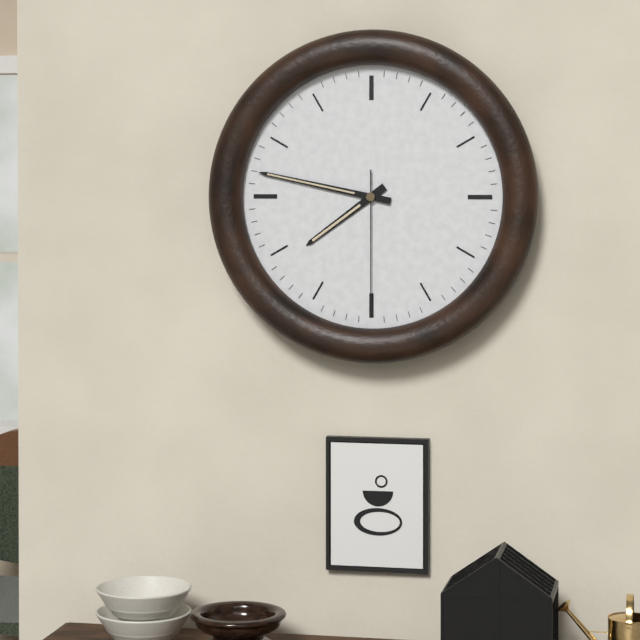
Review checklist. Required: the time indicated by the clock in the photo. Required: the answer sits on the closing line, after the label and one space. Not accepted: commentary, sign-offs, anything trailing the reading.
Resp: 7:47:30
